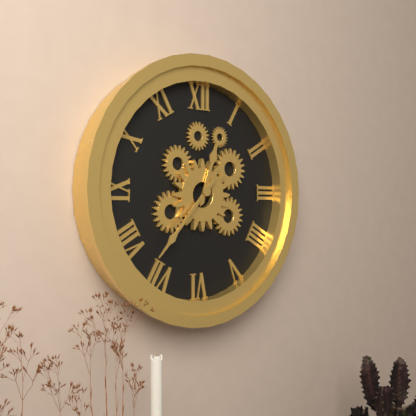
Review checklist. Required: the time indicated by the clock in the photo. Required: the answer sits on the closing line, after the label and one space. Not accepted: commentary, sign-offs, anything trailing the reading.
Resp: 12:37
